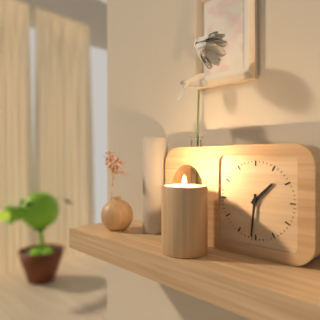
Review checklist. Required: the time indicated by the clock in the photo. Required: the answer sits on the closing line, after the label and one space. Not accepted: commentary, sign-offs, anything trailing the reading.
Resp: 1:31
